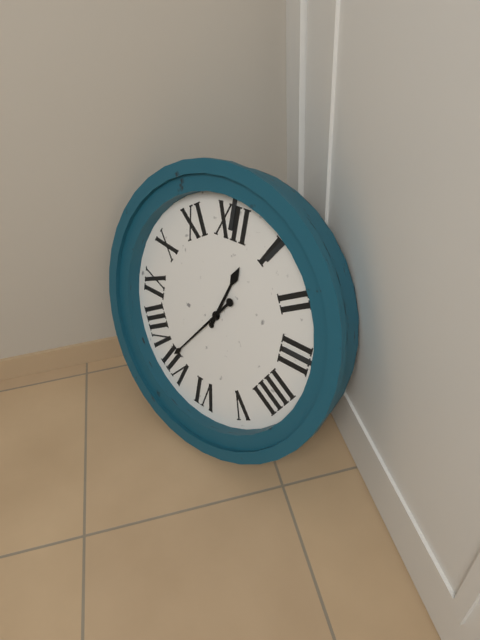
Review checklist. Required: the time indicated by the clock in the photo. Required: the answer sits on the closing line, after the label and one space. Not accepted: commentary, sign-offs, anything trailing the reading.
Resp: 12:36
